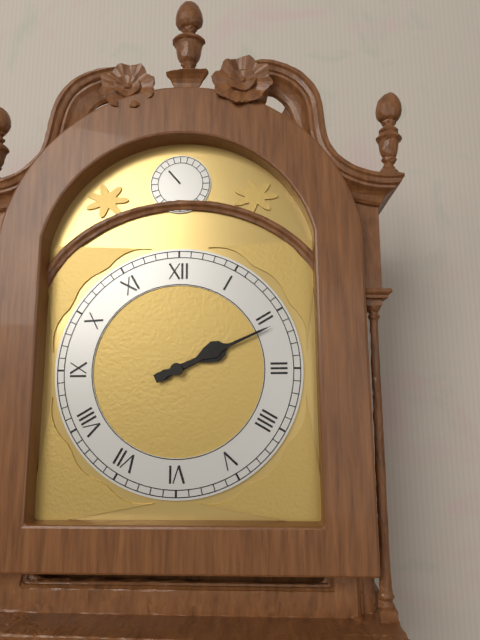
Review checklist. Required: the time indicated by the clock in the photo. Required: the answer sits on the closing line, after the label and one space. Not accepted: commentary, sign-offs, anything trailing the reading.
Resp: 2:11
